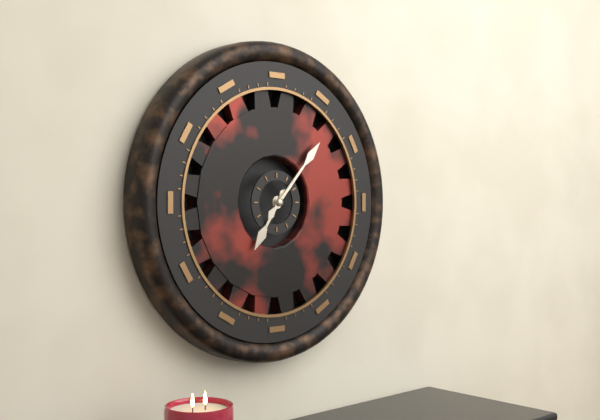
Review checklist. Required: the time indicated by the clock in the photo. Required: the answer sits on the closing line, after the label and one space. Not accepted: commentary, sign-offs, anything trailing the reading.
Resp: 7:07
